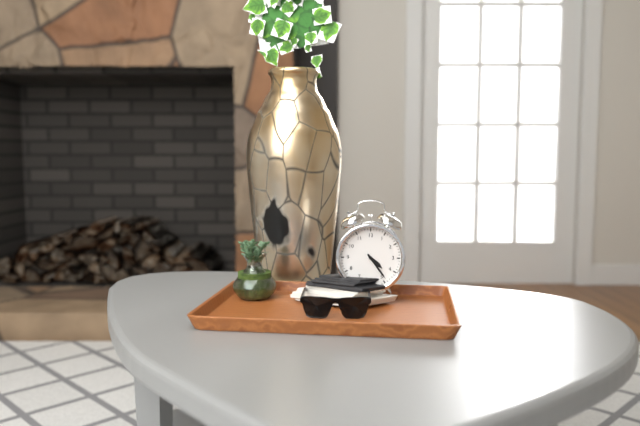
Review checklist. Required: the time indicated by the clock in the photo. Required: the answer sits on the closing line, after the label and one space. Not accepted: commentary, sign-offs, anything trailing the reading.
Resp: 4:24
